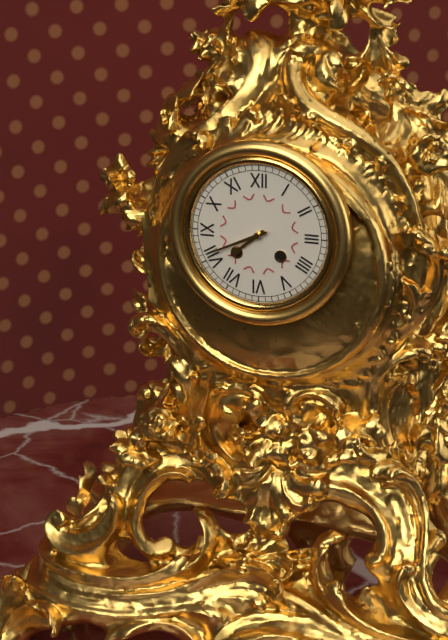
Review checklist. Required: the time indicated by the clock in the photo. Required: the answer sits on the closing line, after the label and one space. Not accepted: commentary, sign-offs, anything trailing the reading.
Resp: 7:41
